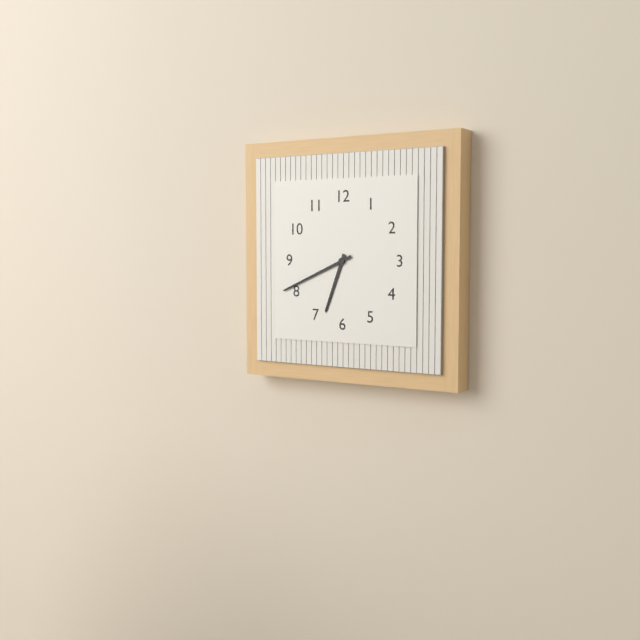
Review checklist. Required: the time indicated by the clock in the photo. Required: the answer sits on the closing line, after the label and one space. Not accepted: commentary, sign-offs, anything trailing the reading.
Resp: 6:41
